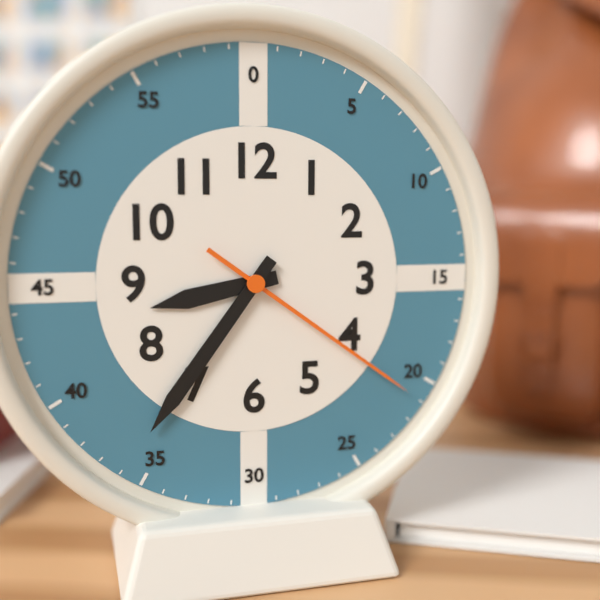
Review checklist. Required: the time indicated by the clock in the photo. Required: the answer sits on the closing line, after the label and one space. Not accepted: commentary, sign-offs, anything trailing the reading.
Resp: 8:36:21
